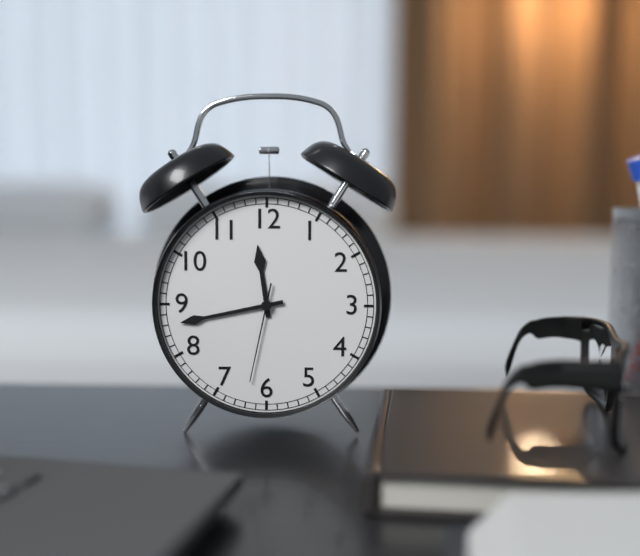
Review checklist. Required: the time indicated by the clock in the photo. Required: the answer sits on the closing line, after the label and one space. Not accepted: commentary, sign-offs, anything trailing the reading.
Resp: 11:43:32
